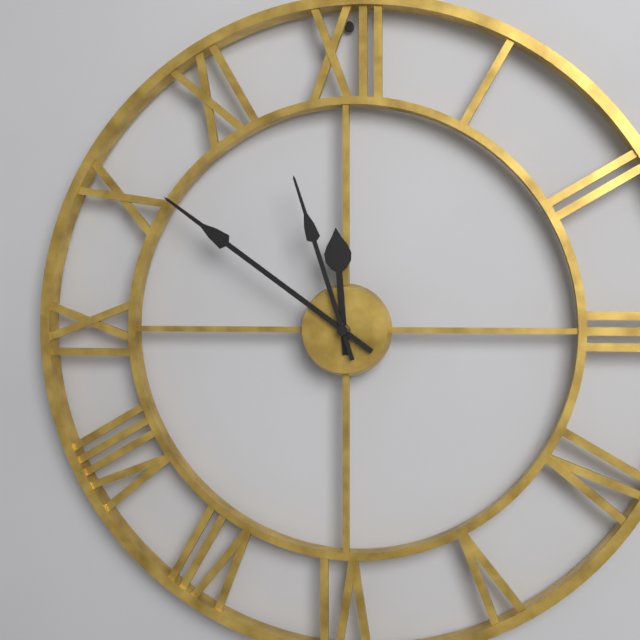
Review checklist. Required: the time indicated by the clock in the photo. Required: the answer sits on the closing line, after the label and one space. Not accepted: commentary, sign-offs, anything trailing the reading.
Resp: 11:51:57
